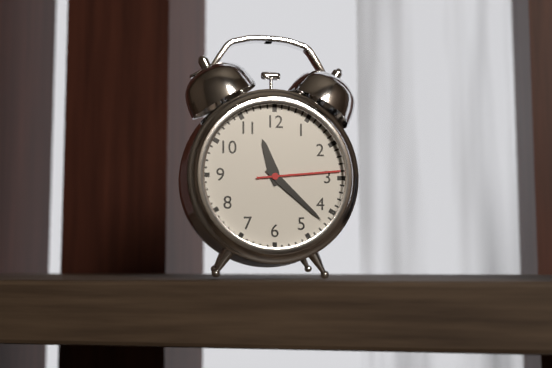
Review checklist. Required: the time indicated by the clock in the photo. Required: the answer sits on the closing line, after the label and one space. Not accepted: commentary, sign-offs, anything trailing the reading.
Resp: 11:22:14
